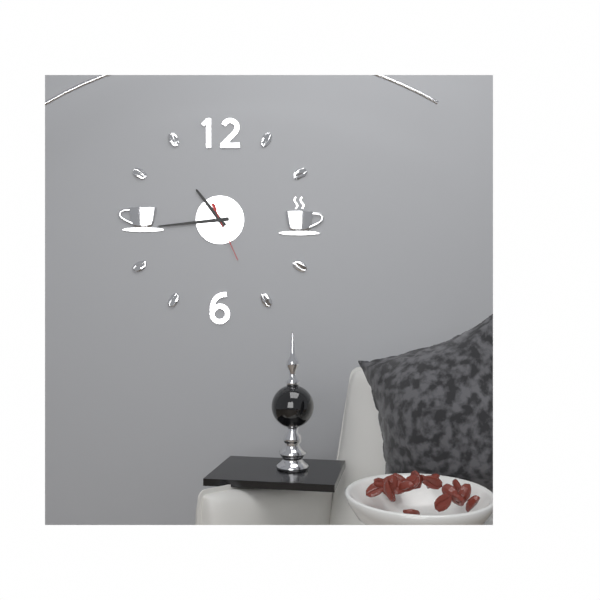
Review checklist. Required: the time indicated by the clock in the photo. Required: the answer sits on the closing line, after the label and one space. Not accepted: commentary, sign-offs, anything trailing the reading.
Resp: 10:44:26
